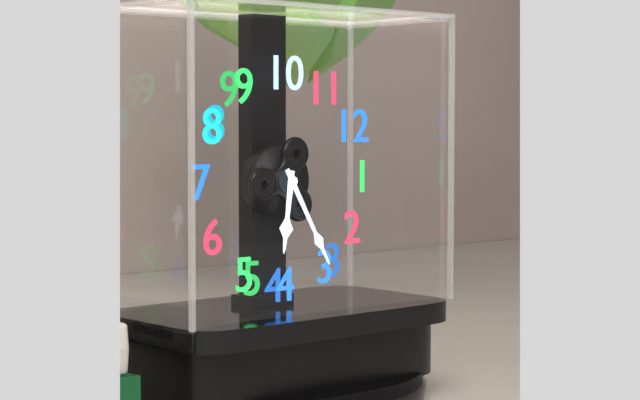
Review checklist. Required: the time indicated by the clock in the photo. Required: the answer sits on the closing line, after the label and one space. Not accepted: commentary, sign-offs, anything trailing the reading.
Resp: 4:15
